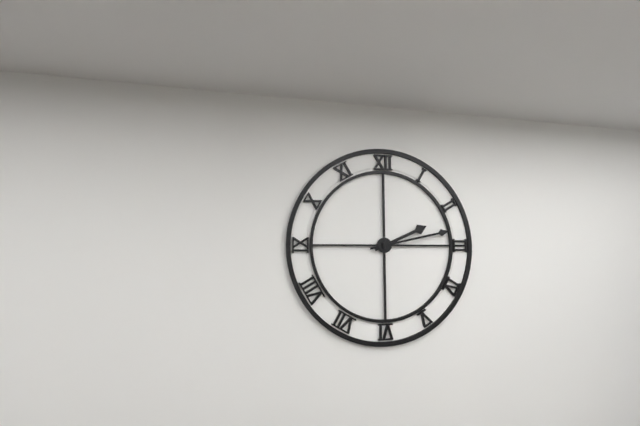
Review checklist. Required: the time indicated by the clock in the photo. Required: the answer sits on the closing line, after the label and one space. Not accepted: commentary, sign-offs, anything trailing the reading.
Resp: 2:13
